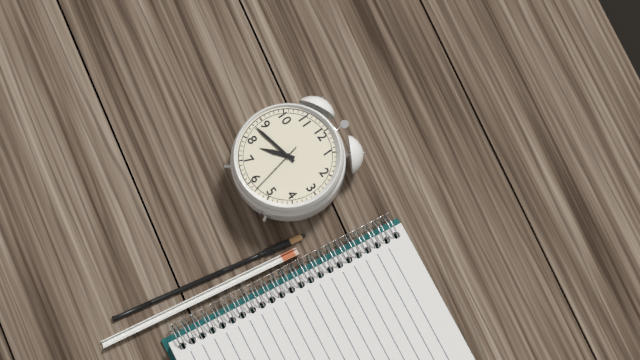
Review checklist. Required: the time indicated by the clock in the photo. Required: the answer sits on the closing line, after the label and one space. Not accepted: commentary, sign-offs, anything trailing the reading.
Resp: 7:43:28
